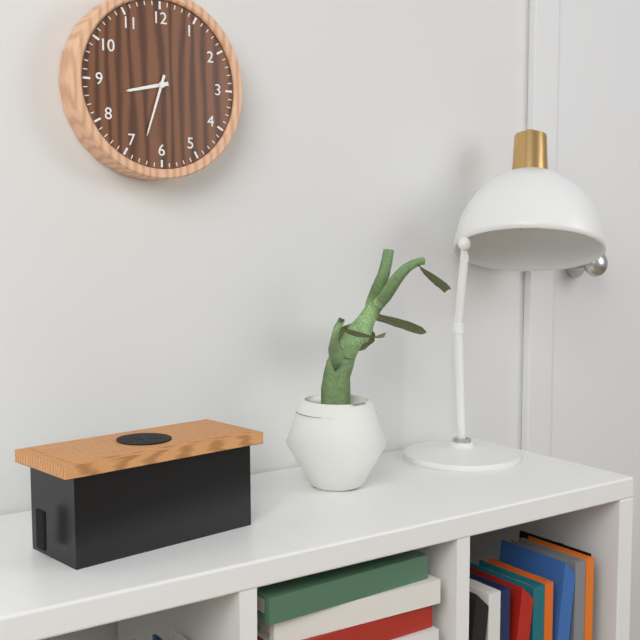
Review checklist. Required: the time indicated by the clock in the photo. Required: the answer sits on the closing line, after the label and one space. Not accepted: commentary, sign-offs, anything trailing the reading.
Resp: 8:33
